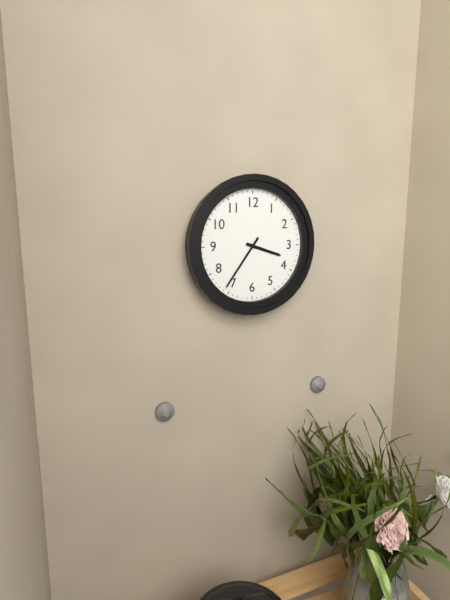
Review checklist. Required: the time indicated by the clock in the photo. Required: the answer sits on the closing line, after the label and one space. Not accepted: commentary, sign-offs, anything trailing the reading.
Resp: 3:36
